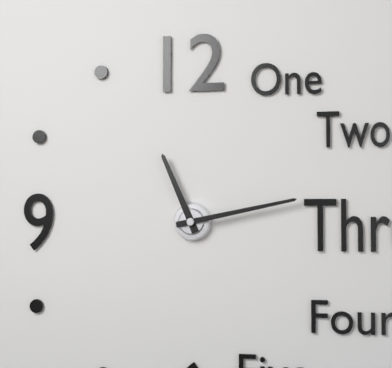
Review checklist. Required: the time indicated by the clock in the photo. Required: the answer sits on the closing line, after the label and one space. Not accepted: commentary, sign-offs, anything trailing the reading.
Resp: 11:13
